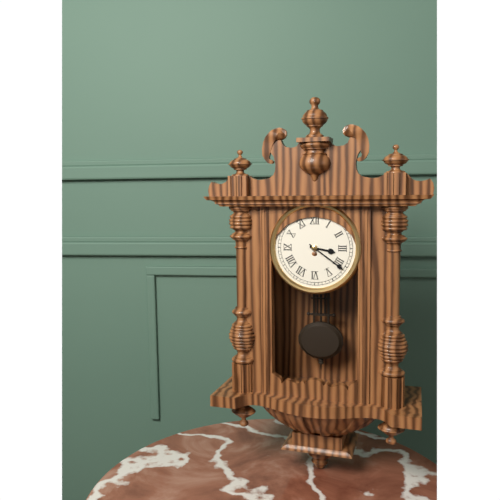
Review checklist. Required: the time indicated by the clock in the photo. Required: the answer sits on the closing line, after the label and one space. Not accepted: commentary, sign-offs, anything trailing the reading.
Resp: 3:21
